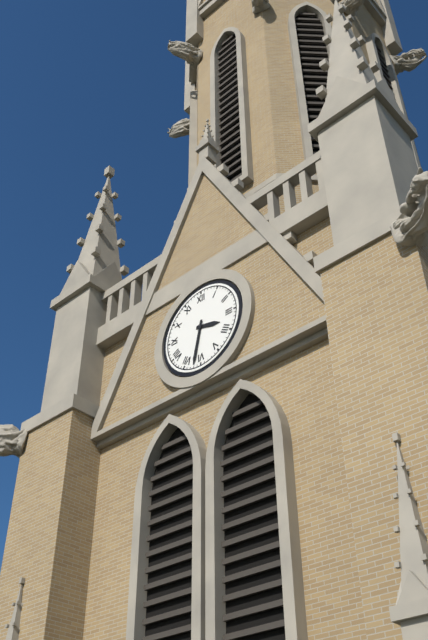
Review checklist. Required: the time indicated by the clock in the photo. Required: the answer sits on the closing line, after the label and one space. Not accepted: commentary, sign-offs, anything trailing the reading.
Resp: 3:32
